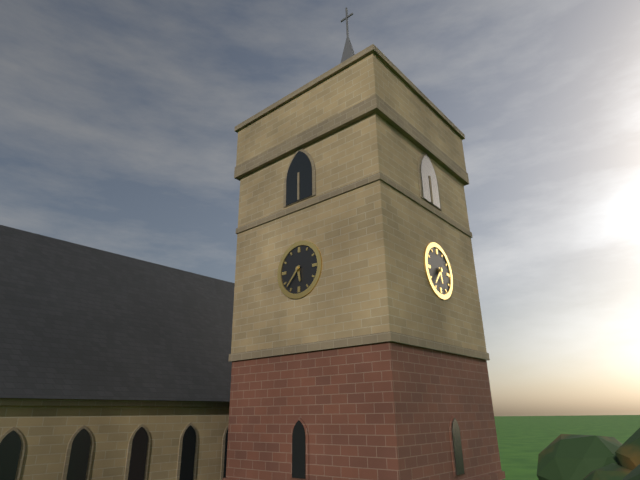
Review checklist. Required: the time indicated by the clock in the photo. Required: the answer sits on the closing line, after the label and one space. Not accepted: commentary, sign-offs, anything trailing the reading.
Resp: 5:37
